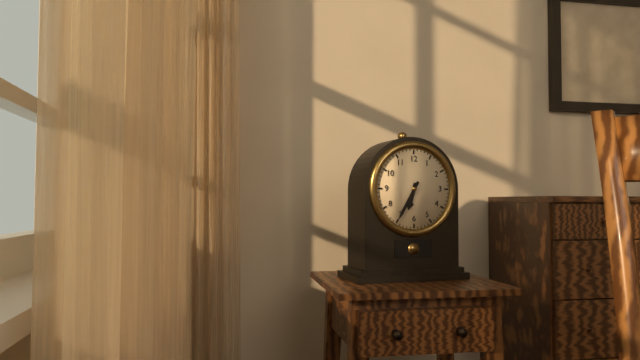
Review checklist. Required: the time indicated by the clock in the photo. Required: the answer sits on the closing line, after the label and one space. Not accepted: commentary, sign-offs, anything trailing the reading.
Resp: 6:35
